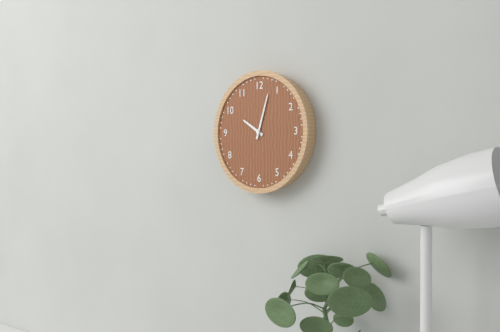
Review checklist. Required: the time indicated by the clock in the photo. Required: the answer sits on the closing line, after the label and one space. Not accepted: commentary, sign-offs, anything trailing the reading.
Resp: 10:03
